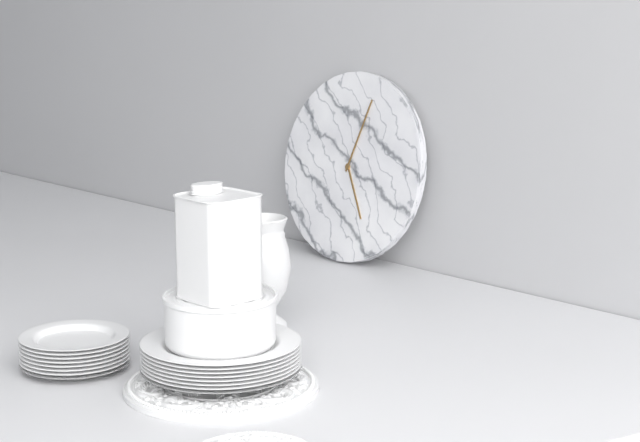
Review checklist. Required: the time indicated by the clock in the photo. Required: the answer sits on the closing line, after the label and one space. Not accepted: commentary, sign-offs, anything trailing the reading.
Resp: 5:03
